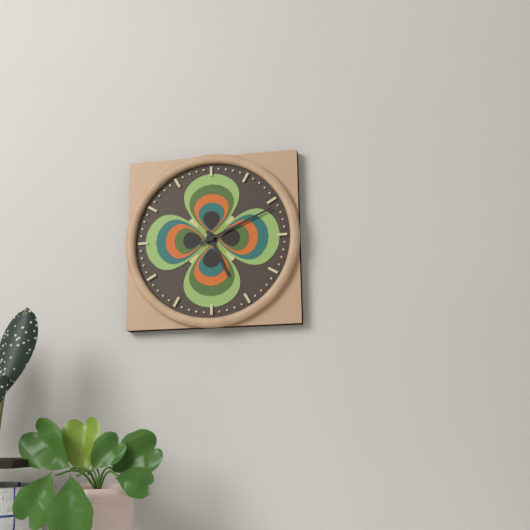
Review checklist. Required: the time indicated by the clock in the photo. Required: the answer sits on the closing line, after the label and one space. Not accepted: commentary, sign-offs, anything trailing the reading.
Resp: 5:11
